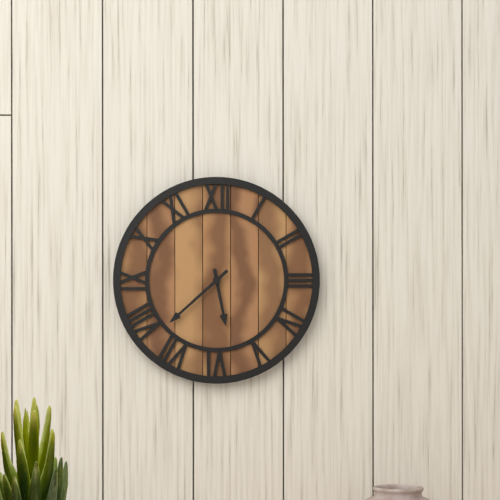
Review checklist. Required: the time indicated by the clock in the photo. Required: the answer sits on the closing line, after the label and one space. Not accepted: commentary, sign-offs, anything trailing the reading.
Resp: 5:38
